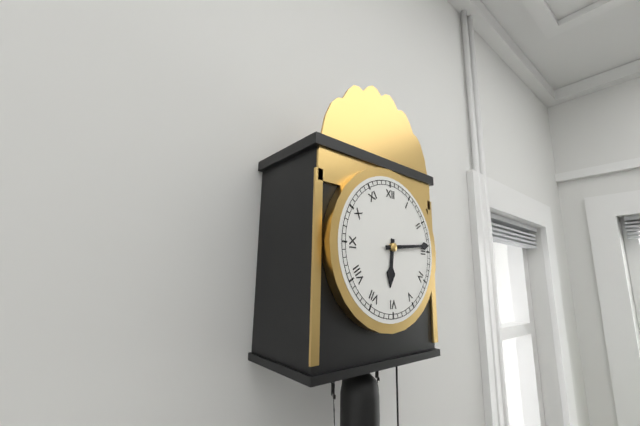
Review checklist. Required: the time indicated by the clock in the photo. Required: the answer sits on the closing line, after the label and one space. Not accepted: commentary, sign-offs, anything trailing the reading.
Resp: 6:14
